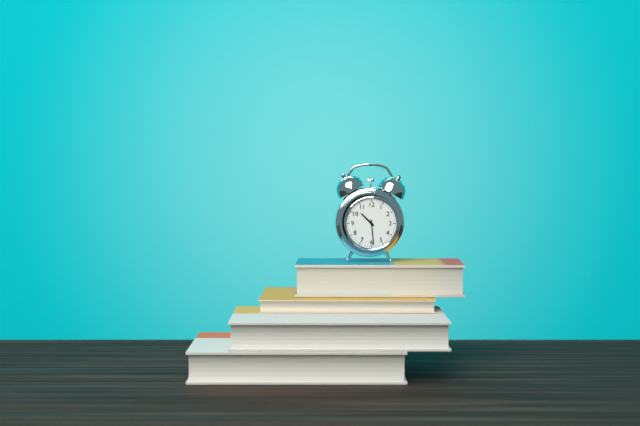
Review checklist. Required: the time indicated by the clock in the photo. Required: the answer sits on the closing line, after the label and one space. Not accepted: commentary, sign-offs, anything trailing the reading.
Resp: 10:29
